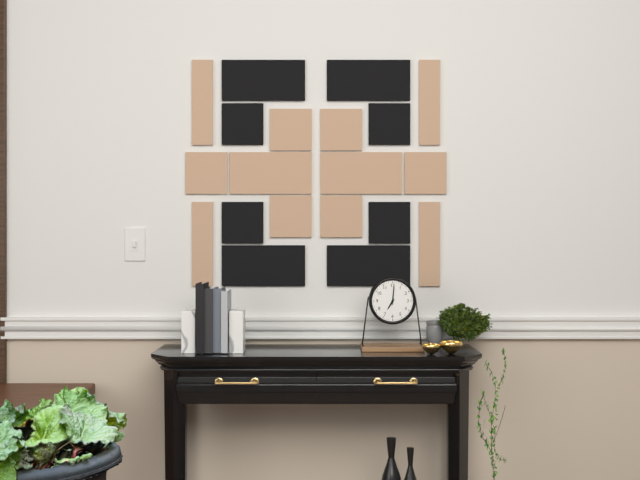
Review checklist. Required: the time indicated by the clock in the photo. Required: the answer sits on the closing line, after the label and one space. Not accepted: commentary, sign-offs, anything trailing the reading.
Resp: 7:01
